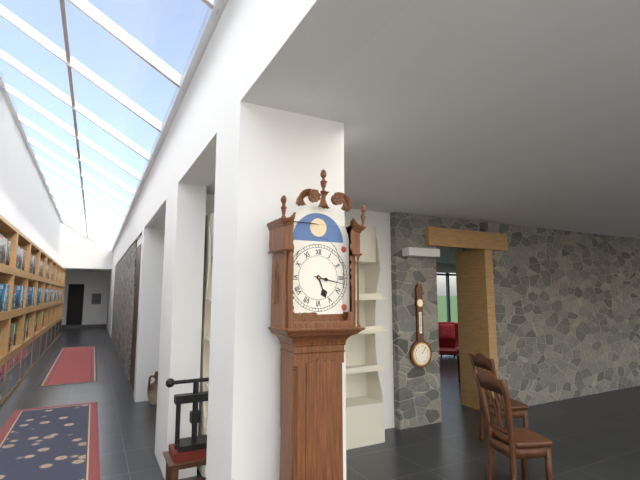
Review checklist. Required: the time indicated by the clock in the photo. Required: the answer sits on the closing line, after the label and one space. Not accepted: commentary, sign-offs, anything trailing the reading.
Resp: 5:17
